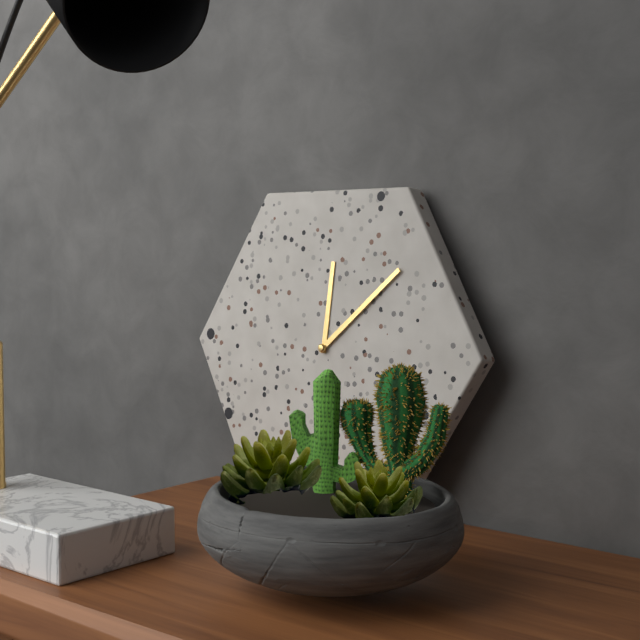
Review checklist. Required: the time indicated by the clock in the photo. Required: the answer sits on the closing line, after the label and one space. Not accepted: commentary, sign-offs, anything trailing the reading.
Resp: 12:08
